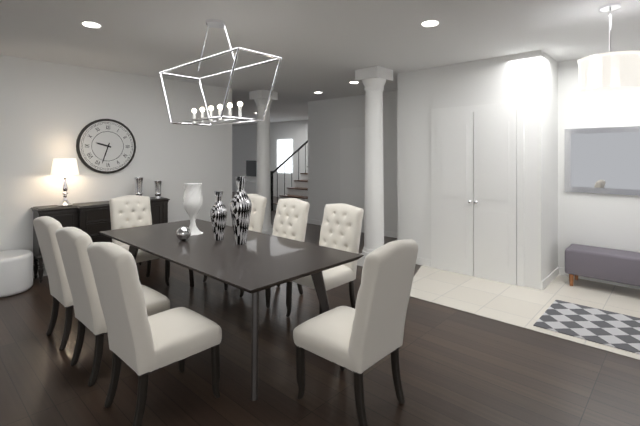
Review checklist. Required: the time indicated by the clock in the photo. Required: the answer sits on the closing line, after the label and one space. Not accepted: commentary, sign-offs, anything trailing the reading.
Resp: 9:33
